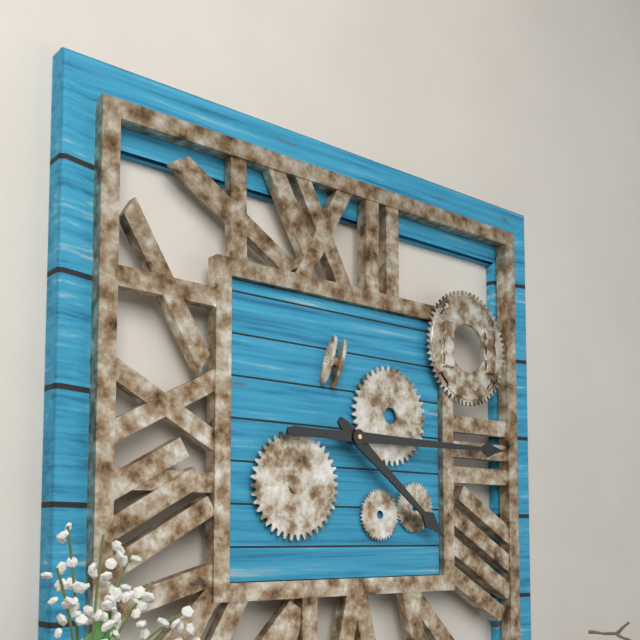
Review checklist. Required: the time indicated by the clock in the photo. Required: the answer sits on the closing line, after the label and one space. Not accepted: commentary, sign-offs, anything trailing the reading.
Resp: 4:15
